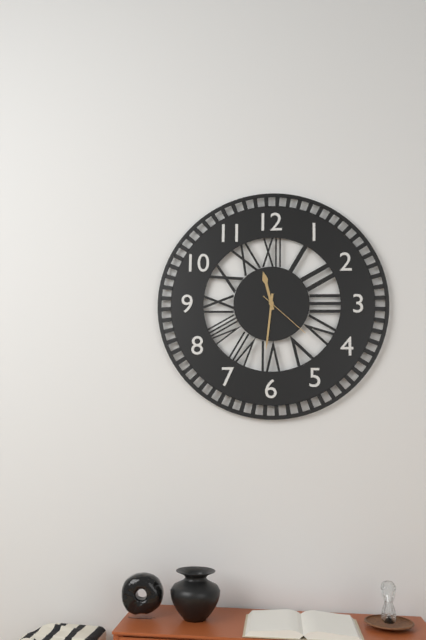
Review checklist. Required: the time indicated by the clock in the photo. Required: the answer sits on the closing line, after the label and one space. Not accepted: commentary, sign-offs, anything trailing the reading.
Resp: 11:31:22
